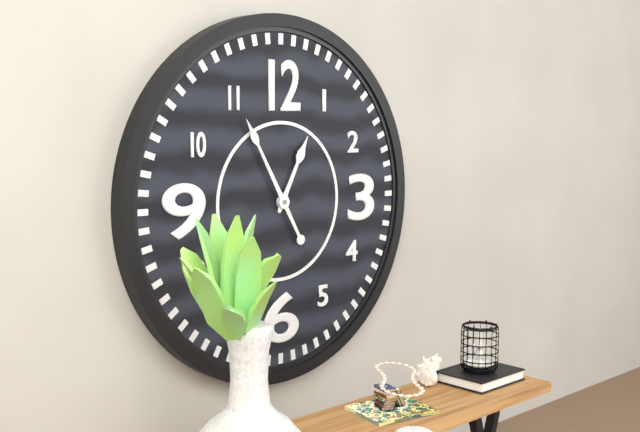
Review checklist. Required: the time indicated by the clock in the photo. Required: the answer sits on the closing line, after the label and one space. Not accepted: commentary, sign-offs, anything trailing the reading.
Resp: 12:55
